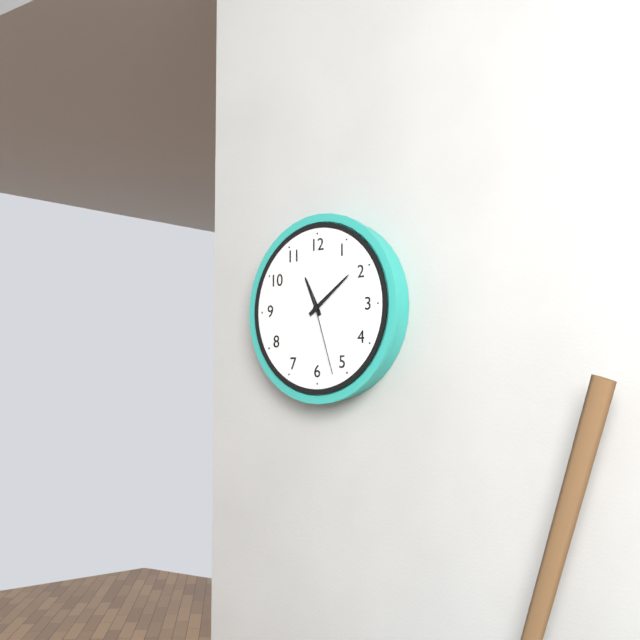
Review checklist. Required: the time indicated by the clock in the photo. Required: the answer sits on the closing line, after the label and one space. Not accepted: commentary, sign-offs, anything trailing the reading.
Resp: 11:09:27
